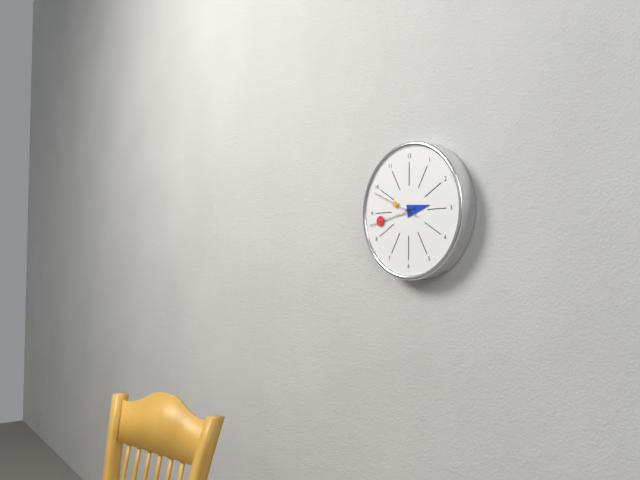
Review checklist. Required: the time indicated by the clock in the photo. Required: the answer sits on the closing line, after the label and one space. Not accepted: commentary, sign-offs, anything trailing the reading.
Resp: 2:43:49
